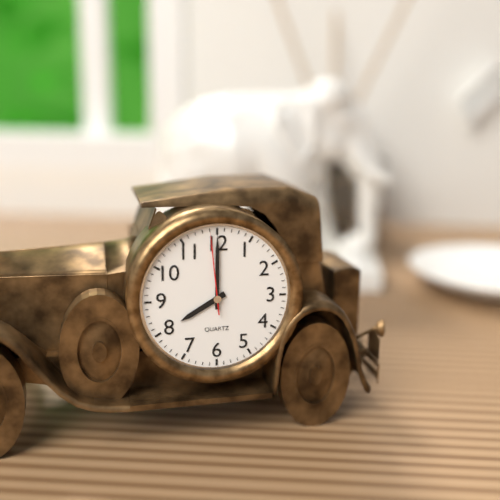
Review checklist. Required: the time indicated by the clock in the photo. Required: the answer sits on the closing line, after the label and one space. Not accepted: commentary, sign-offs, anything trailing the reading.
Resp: 8:00:59
